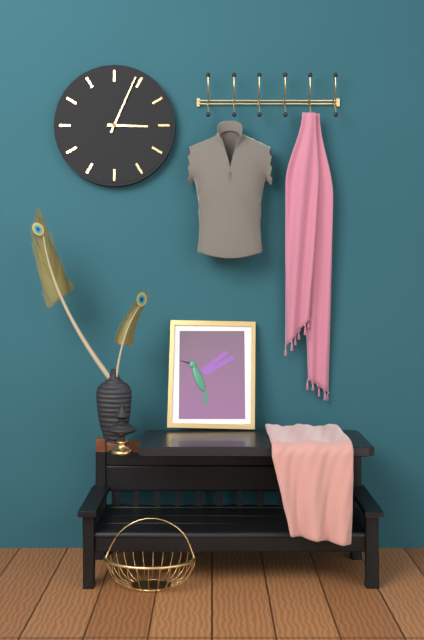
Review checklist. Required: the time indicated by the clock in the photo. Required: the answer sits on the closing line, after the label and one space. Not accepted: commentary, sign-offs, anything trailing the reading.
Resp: 3:04
